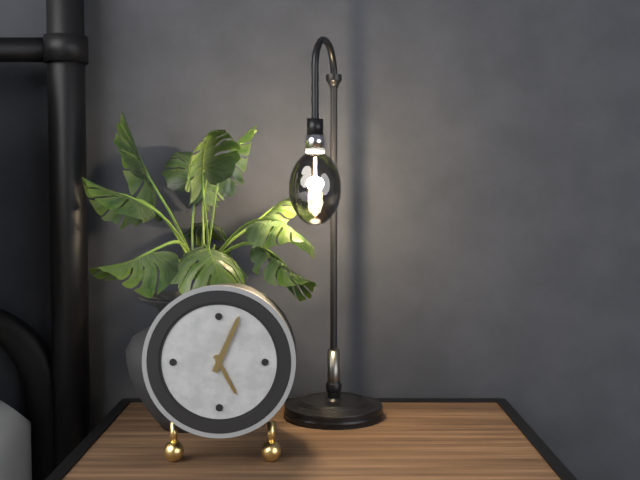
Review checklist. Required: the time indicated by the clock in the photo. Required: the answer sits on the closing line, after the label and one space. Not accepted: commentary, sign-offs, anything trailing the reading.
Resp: 5:04
